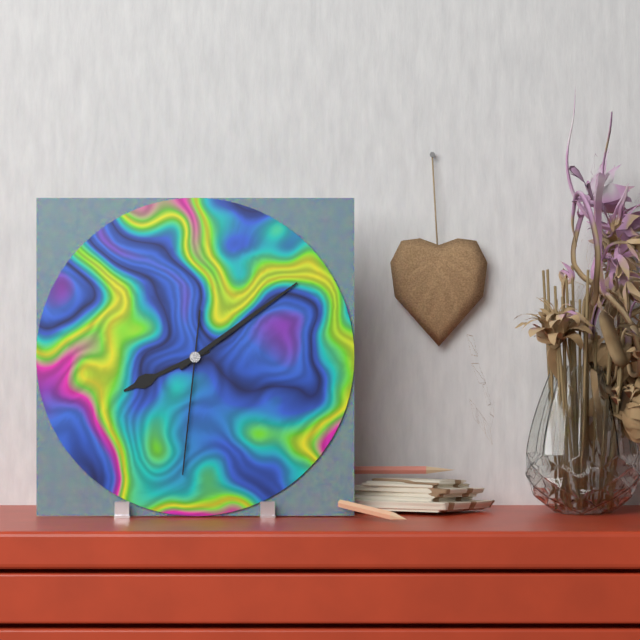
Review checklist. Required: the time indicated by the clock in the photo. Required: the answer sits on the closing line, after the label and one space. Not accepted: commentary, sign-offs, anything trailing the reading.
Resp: 8:09:31
